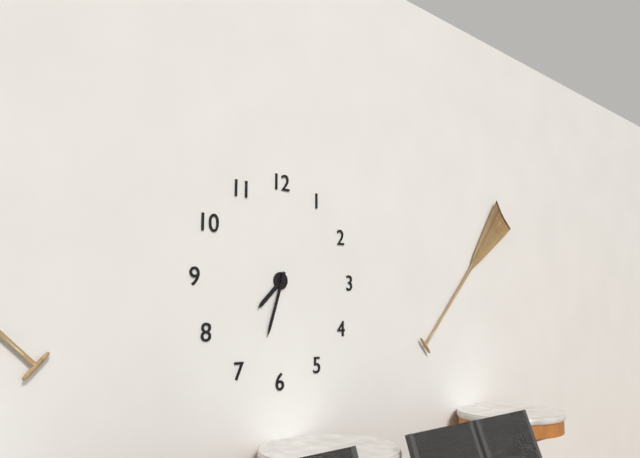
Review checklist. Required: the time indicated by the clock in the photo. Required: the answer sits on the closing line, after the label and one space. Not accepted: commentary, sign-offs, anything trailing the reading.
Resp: 7:33
